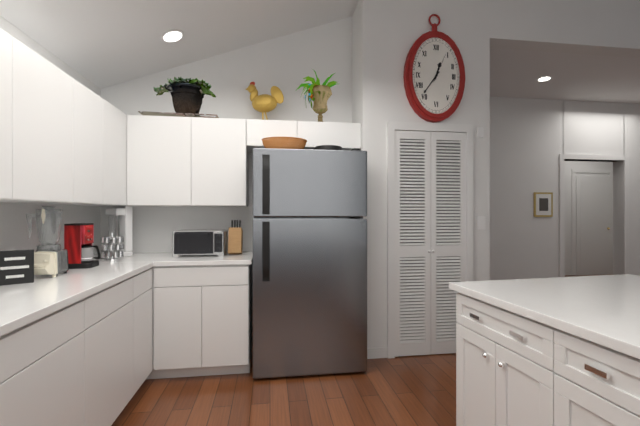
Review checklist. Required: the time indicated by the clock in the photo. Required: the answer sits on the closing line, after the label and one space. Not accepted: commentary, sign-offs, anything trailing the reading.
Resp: 12:36
